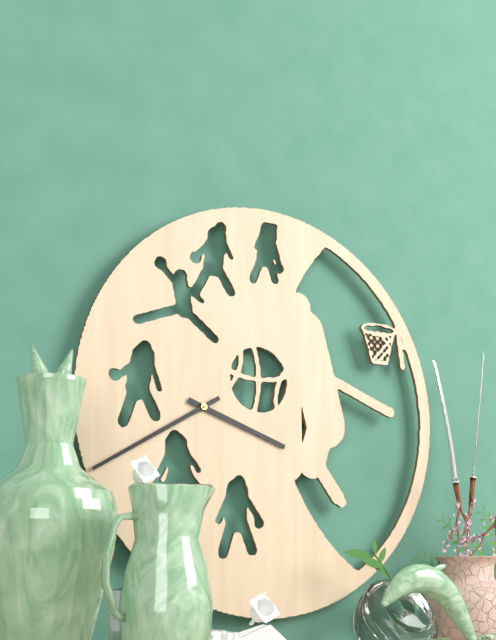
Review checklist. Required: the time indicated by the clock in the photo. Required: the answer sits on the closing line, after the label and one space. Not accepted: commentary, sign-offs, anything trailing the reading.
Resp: 3:40
